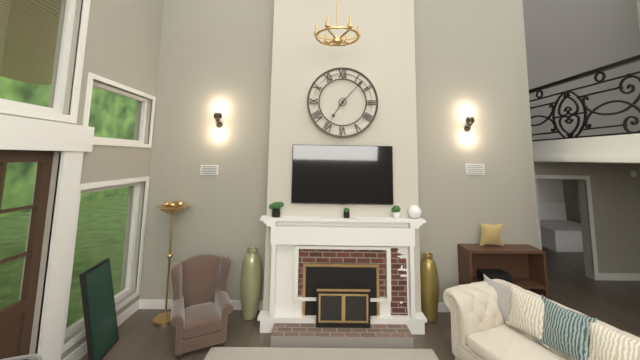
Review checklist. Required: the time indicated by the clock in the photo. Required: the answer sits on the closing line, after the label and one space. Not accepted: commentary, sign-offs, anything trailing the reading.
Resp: 7:07
